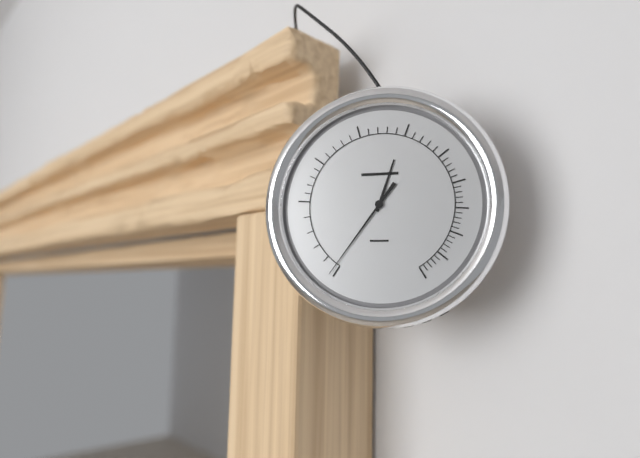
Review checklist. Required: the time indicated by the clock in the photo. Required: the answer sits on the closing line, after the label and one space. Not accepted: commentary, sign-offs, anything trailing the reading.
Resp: 12:36
